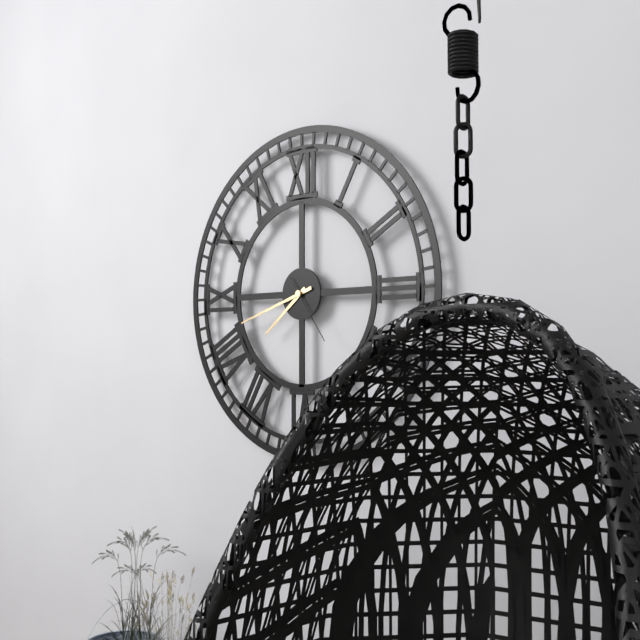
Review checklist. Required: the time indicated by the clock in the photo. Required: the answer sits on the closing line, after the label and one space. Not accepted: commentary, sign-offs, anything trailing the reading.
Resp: 7:42:24
